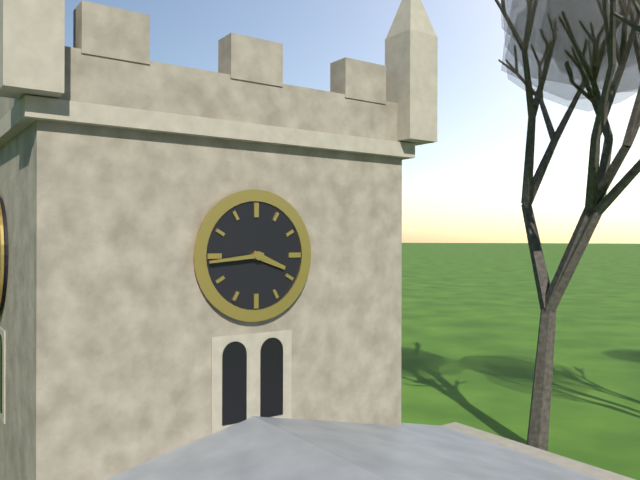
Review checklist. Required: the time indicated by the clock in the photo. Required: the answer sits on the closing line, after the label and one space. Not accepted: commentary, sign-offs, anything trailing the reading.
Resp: 3:44
